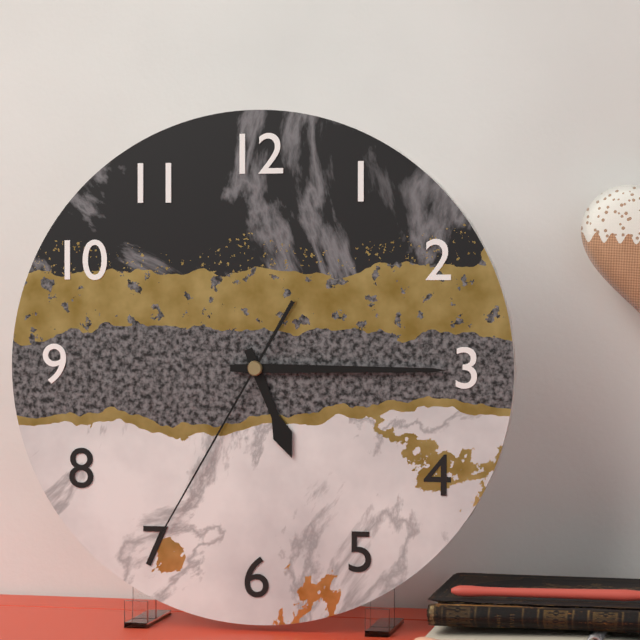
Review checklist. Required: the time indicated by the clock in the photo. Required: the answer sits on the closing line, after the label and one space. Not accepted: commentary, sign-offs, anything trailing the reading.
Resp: 5:15:35
